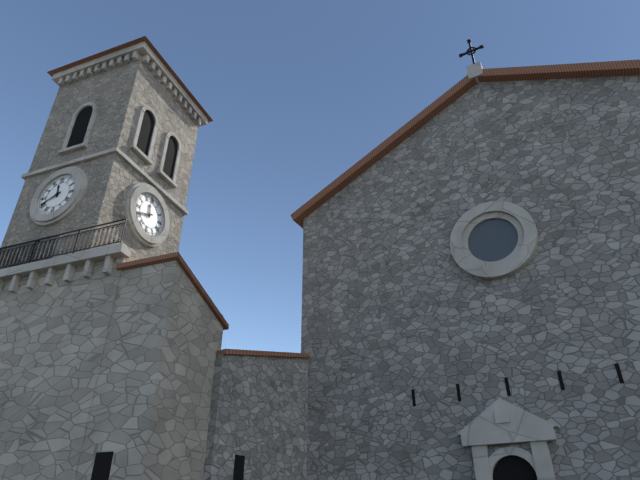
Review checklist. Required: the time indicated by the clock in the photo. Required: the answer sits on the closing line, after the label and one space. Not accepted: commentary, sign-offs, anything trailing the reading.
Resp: 11:41
